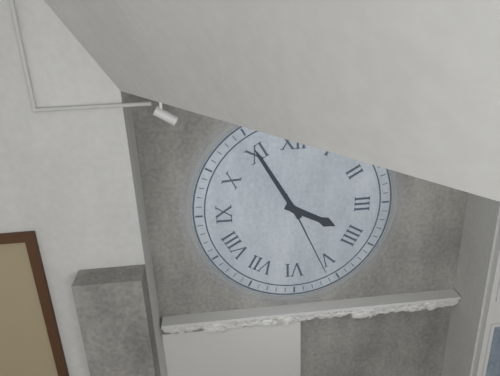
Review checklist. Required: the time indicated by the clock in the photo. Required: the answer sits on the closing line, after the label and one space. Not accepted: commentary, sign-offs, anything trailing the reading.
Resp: 3:55:26
